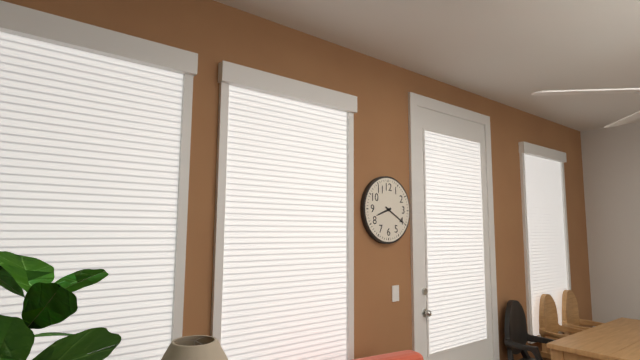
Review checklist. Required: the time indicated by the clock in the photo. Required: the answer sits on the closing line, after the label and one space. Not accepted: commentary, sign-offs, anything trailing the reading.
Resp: 8:20
